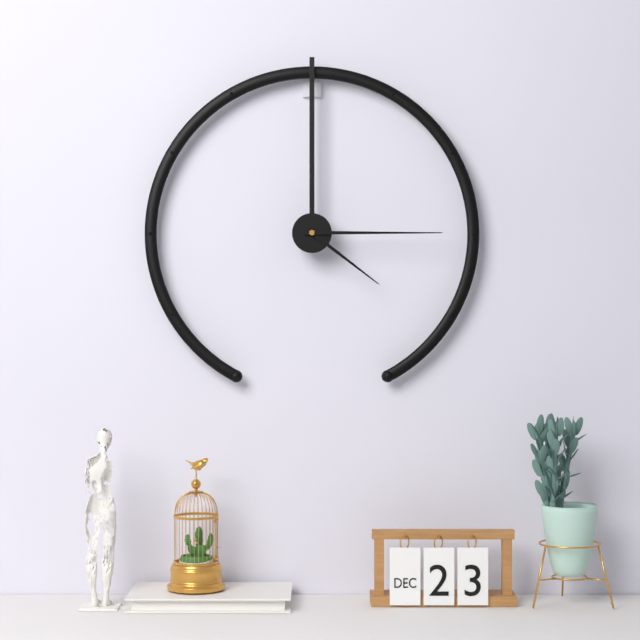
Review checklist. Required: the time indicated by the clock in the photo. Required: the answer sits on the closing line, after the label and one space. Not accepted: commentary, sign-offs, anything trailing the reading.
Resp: 4:15
